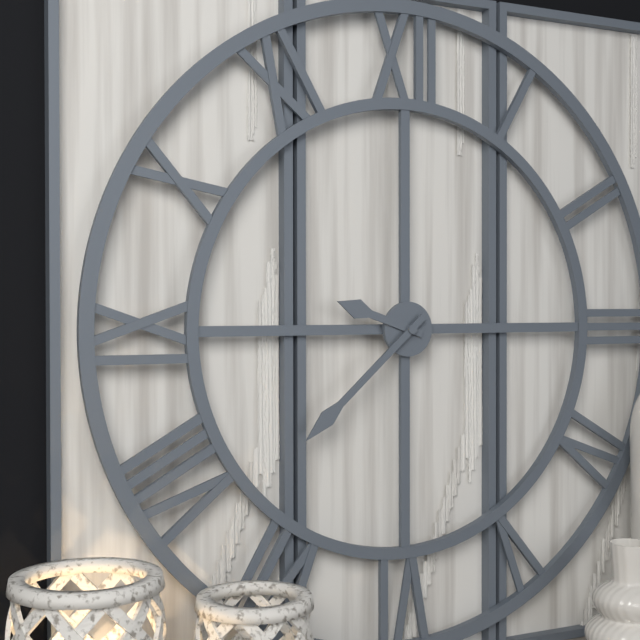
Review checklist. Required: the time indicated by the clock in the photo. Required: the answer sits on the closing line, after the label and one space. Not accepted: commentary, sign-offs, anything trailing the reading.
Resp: 9:38
